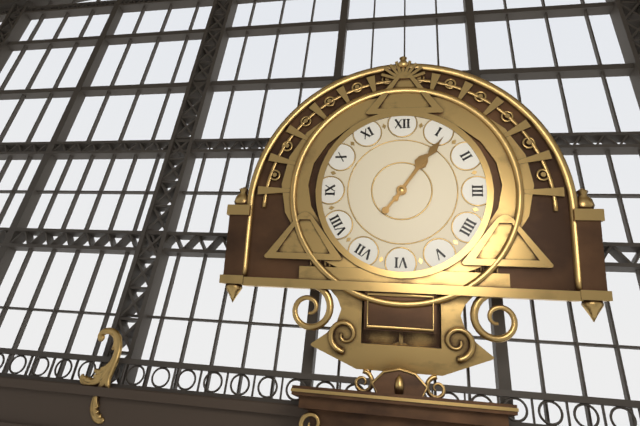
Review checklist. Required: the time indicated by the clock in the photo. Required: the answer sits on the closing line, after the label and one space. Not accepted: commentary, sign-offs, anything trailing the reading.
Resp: 1:06
